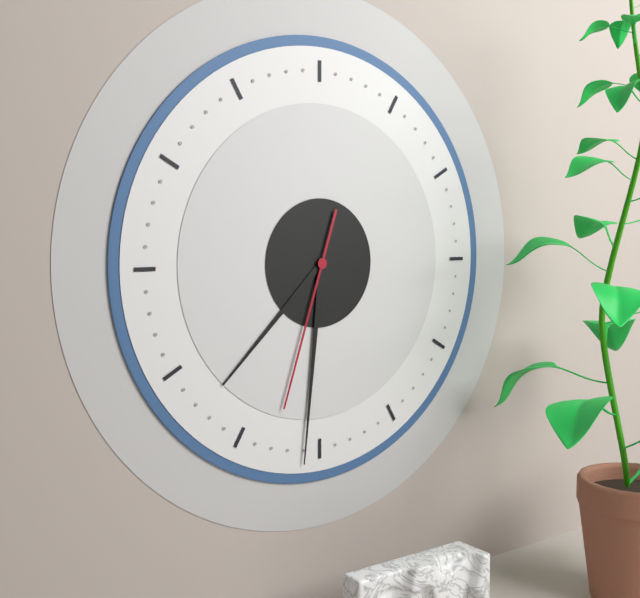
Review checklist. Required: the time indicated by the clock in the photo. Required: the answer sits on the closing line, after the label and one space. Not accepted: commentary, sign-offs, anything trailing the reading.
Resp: 7:31:33
